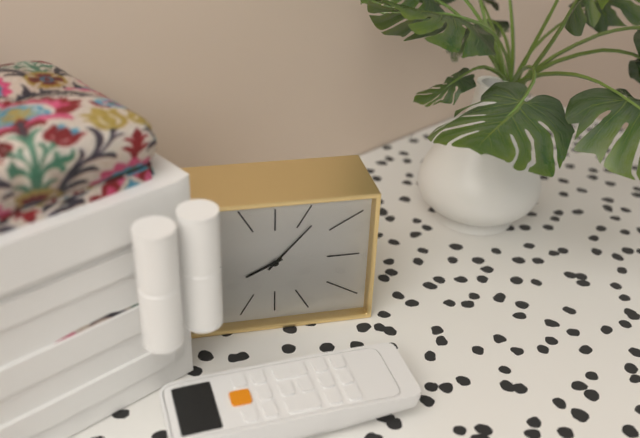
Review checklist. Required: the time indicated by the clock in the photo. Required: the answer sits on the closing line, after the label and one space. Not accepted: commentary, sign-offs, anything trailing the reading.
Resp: 8:07
